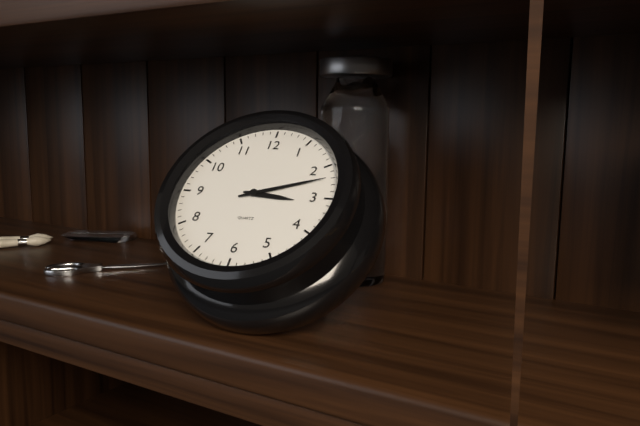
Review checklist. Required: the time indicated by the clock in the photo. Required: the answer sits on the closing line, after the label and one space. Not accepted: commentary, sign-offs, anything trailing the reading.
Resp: 3:12
